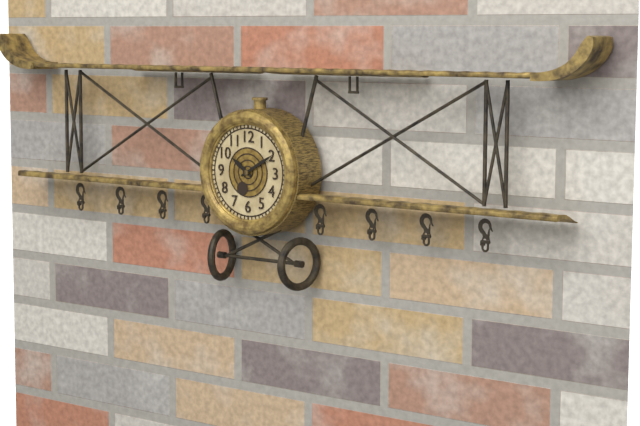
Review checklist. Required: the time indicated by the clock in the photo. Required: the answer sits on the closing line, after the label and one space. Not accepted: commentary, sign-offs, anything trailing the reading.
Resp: 10:10
